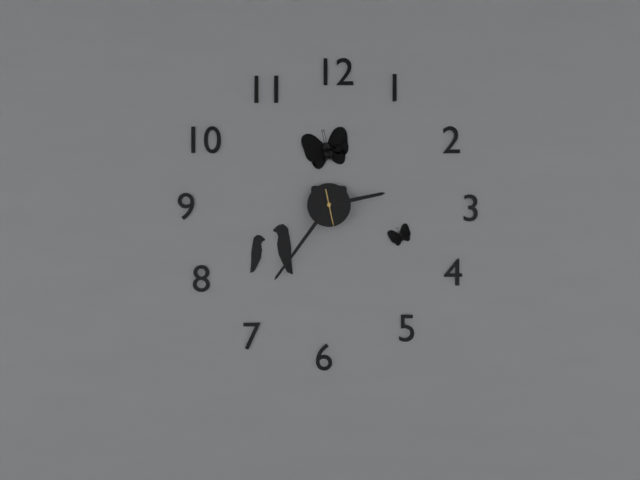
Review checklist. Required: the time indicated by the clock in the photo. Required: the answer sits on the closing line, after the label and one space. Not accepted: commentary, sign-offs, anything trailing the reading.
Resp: 2:36
